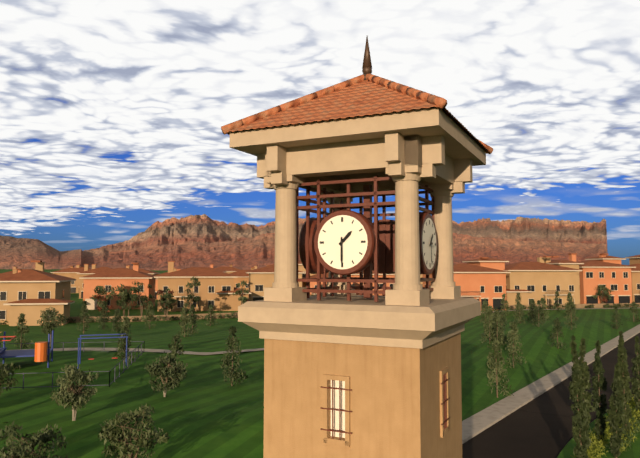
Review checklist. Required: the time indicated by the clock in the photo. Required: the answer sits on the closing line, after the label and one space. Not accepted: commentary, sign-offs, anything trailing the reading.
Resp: 1:30
